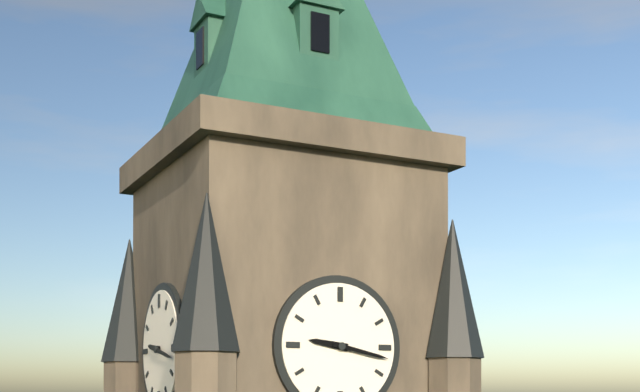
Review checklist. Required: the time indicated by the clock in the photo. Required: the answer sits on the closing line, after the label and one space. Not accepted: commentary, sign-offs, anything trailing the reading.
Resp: 9:17
